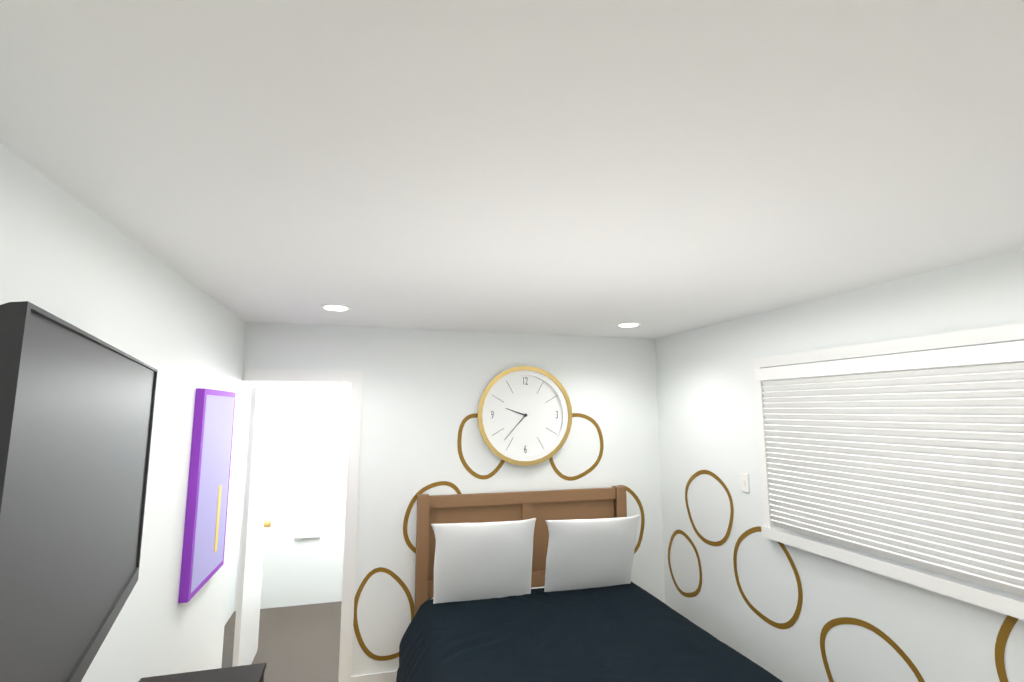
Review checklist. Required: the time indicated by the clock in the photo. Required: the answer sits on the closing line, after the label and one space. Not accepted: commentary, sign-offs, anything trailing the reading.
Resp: 9:37
